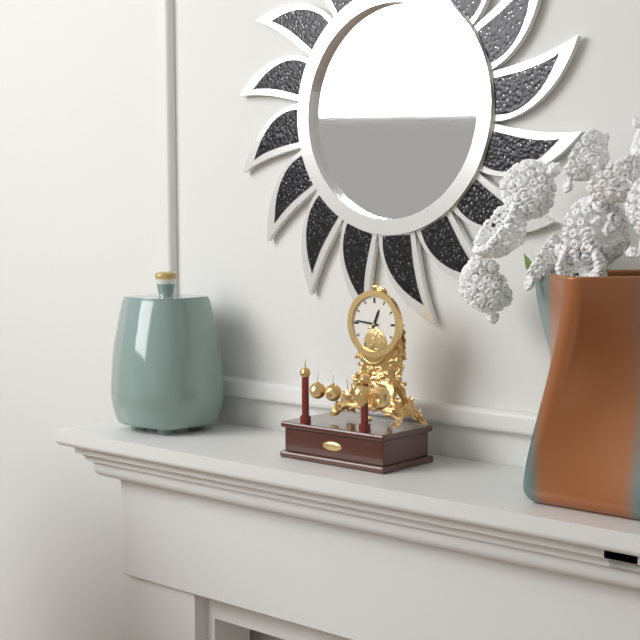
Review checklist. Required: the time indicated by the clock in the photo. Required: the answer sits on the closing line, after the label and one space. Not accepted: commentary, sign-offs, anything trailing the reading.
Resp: 12:46
